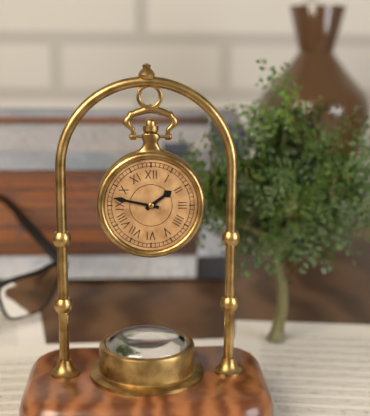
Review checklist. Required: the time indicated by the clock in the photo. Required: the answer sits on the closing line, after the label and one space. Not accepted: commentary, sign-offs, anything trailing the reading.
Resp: 1:47
